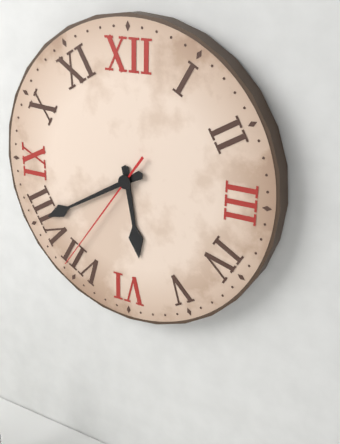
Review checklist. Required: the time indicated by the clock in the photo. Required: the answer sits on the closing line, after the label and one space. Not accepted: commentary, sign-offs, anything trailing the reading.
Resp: 5:40:36
